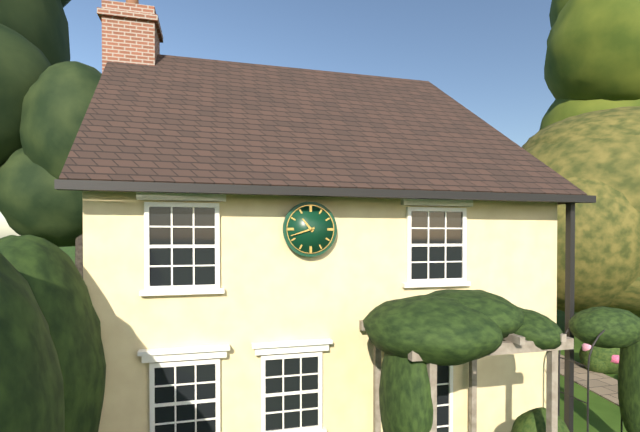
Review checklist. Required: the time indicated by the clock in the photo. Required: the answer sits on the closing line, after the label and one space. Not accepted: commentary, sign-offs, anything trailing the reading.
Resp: 10:42
